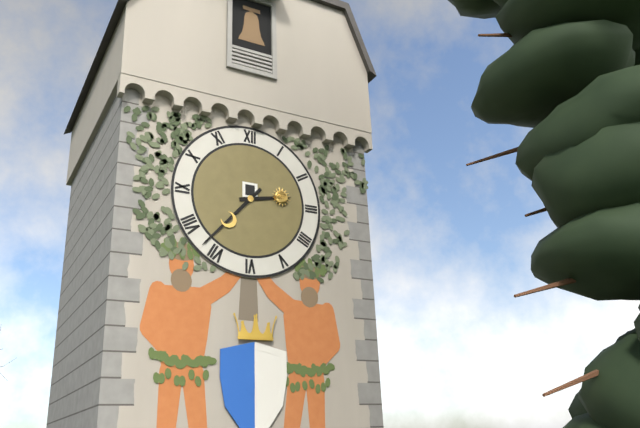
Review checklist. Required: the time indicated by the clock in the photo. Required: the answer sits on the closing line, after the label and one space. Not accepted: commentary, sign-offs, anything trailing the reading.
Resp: 2:37
